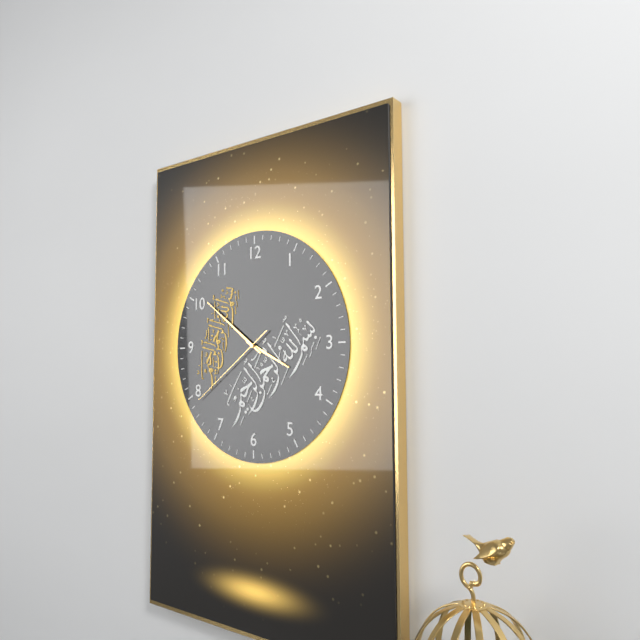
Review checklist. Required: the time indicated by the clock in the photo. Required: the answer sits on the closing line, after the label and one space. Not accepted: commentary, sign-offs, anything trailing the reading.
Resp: 3:51:39
